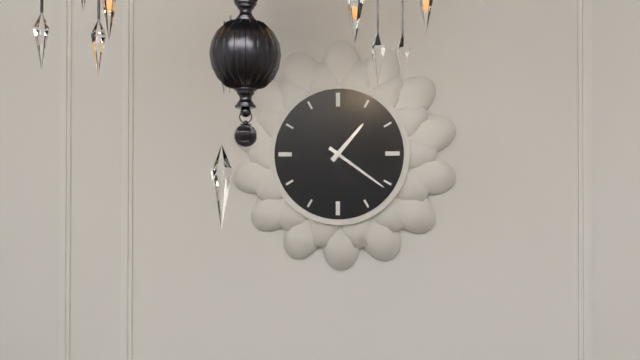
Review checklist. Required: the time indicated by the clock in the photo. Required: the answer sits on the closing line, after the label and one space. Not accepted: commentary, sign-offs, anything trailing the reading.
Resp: 1:21
